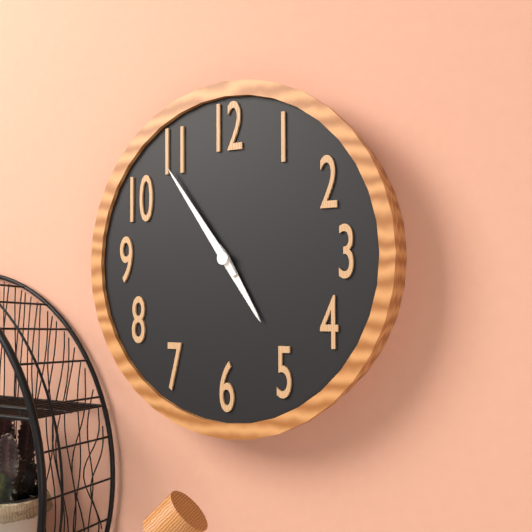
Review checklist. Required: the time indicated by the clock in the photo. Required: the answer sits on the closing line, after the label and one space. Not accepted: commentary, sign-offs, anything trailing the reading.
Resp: 4:54
